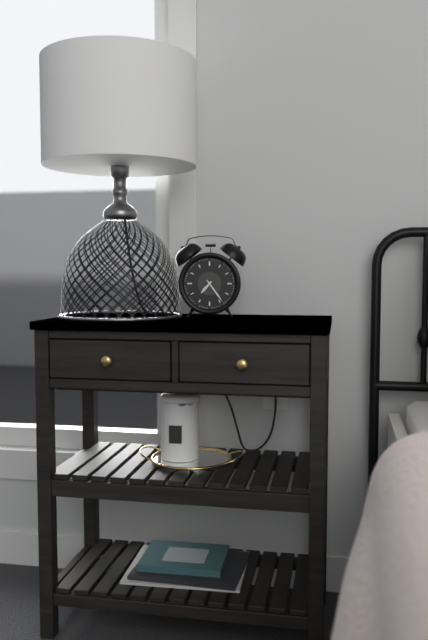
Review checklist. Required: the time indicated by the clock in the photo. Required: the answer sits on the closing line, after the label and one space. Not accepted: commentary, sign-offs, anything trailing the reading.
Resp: 7:24
